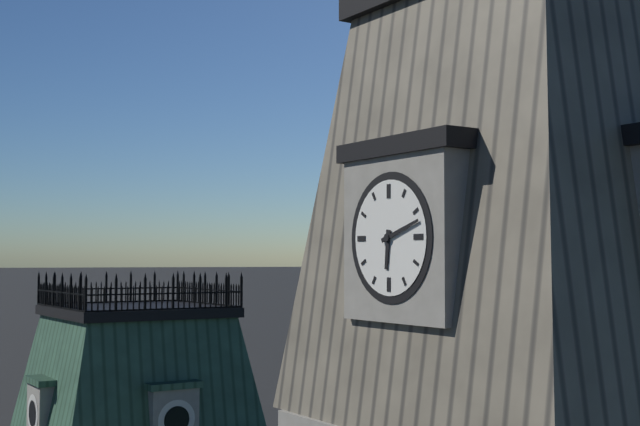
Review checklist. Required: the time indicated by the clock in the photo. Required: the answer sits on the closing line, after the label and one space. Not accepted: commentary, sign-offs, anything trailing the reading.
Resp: 6:12
